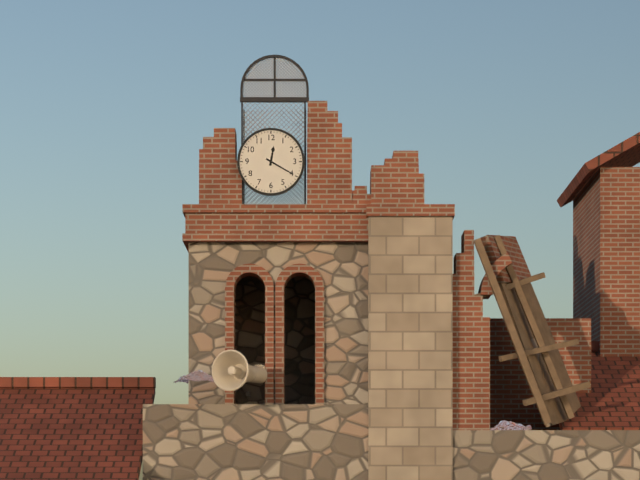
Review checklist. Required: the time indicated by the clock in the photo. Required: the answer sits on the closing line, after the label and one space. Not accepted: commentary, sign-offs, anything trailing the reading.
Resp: 12:20
